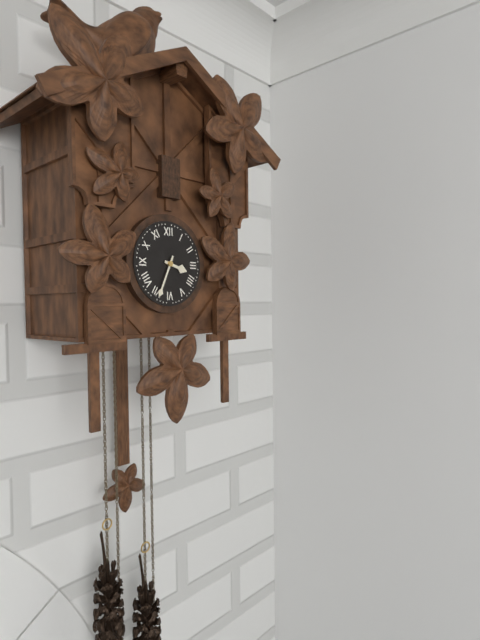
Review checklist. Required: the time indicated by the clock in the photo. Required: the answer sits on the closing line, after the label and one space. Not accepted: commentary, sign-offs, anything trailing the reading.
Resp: 3:34
